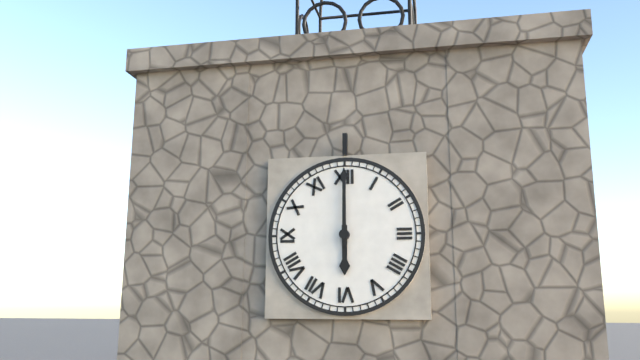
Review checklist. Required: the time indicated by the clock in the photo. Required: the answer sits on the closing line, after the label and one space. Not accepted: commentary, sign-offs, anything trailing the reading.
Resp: 6:00
